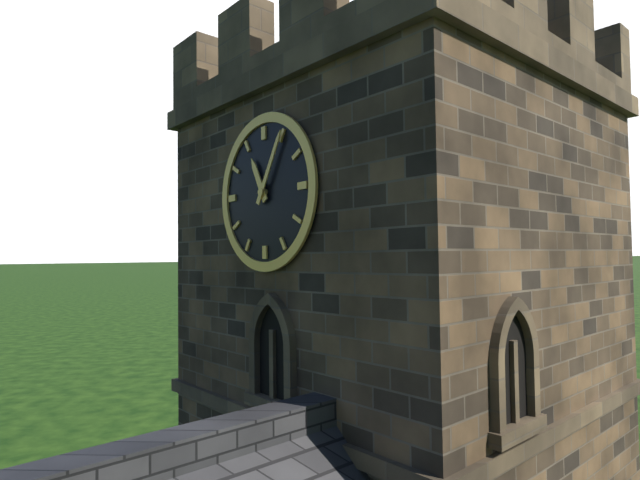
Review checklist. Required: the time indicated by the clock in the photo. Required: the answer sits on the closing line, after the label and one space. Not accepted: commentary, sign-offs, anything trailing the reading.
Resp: 11:05
